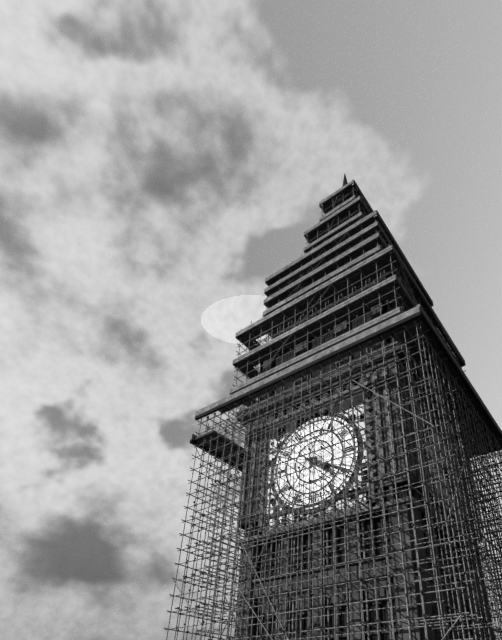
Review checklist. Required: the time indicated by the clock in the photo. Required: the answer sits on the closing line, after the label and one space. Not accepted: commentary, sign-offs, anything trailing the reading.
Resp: 4:20
